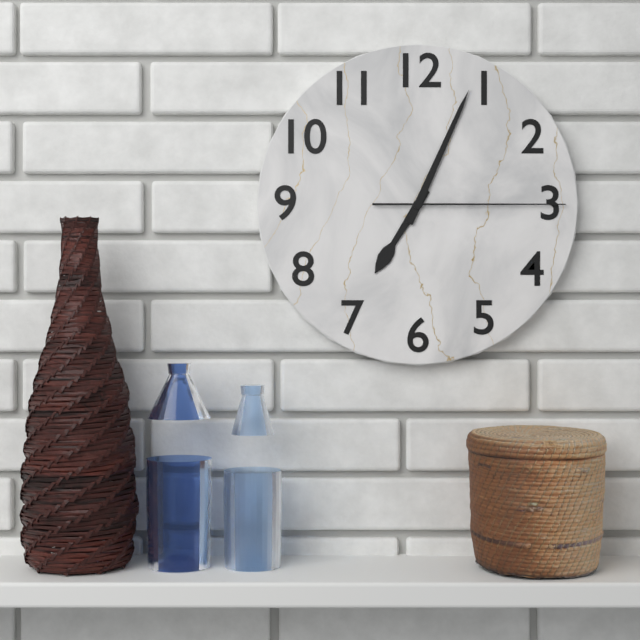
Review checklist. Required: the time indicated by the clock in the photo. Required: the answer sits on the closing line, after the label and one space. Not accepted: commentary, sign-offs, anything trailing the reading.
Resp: 7:04:15
